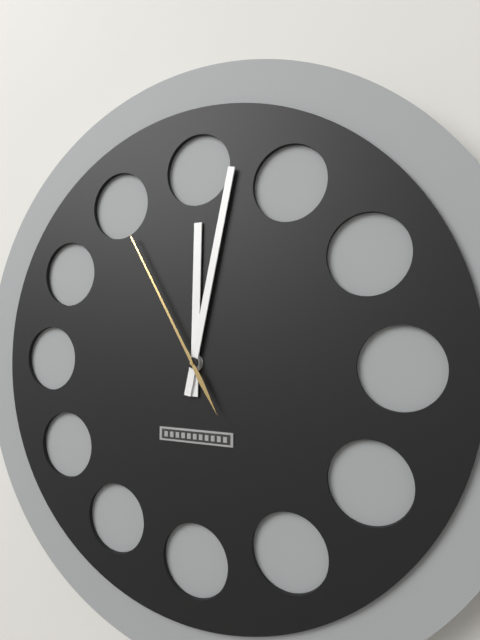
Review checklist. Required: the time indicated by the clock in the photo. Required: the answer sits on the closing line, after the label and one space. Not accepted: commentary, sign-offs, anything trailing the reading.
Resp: 12:02:55
